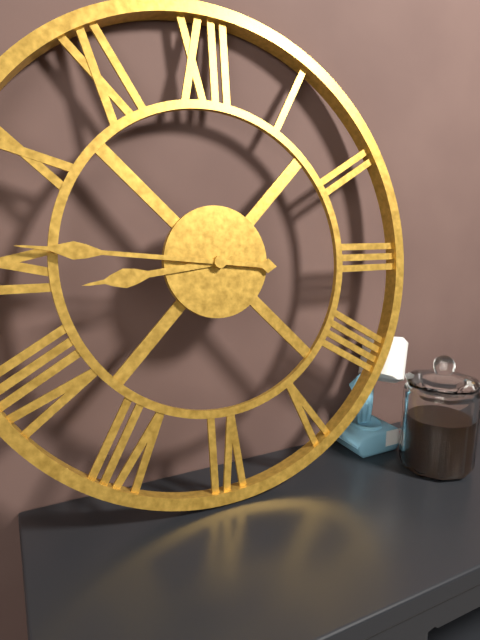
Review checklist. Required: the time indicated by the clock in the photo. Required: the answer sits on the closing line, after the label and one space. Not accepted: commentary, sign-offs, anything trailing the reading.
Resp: 8:46
